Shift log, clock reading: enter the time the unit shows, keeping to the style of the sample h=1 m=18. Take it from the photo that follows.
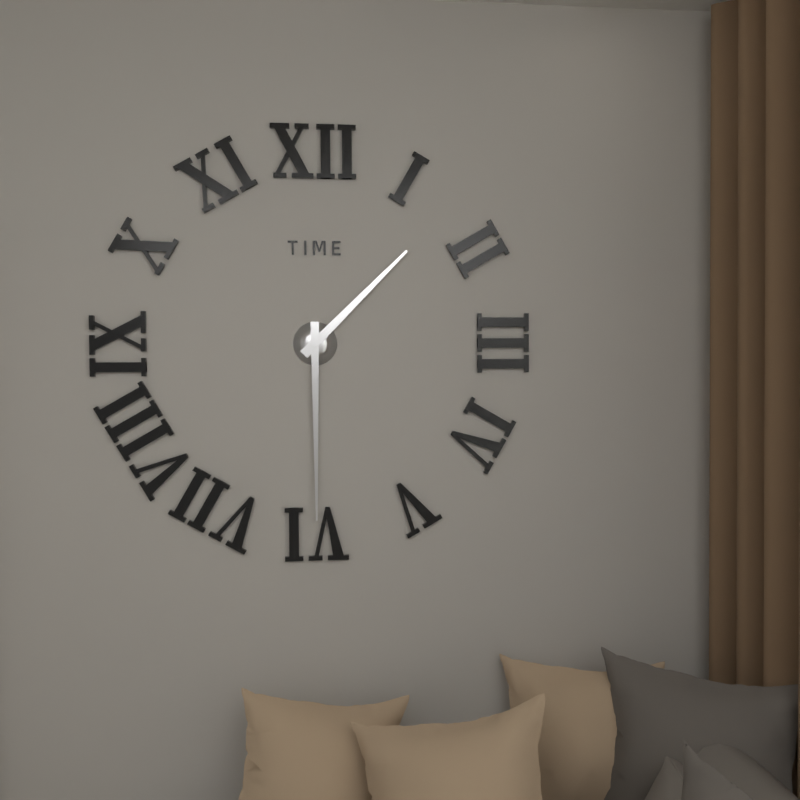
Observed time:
h=1 m=30
